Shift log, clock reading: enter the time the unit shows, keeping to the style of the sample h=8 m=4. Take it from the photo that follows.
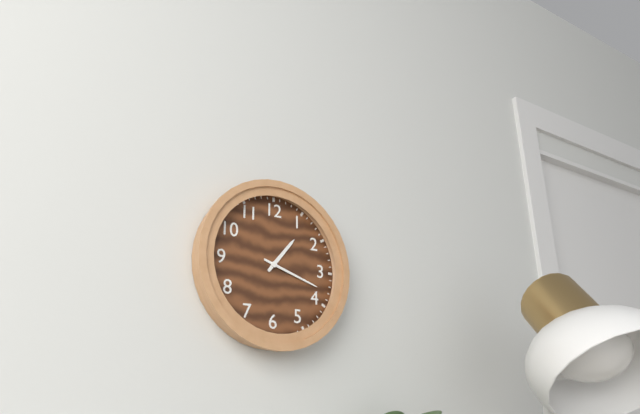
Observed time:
h=1 m=18
